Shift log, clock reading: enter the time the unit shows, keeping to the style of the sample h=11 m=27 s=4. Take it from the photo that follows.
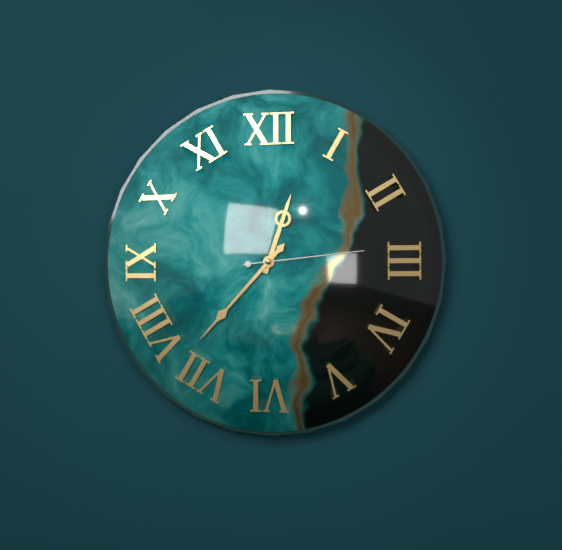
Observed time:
h=12 m=37 s=14
